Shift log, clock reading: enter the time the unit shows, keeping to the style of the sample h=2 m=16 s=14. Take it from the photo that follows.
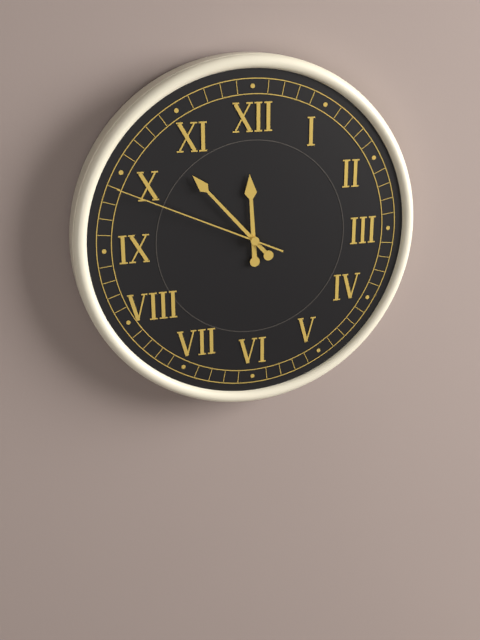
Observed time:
h=11 m=53 s=49
